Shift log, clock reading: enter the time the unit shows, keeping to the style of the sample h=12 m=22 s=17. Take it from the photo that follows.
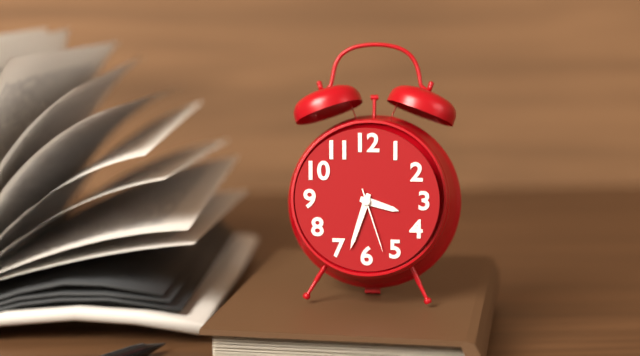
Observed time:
h=3 m=33 s=27
